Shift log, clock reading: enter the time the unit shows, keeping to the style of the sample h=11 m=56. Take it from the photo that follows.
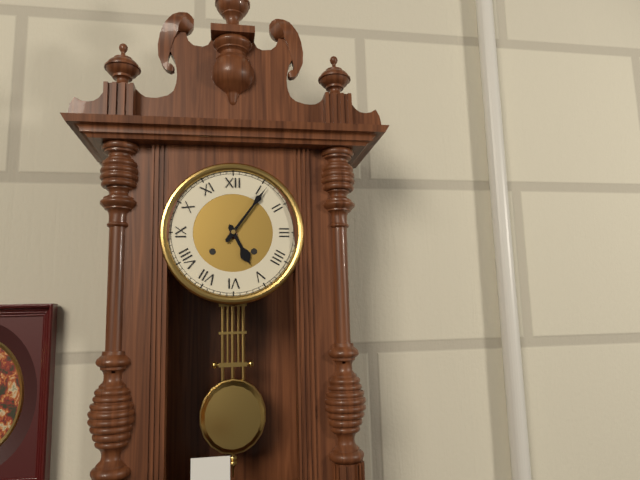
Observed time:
h=5 m=6
